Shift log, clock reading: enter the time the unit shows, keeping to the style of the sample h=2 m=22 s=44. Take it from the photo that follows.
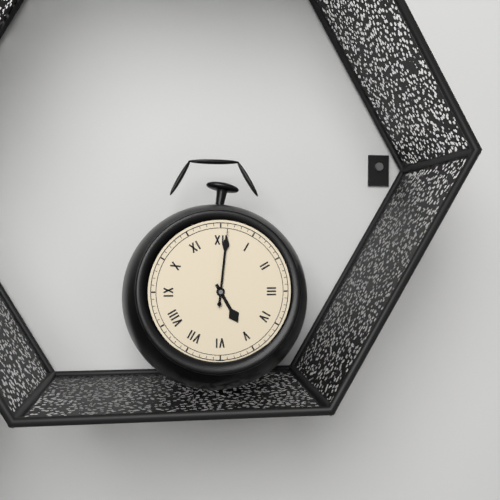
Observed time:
h=5 m=1 s=1
